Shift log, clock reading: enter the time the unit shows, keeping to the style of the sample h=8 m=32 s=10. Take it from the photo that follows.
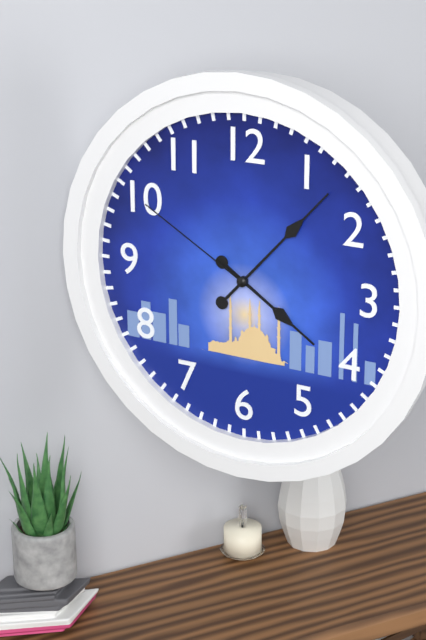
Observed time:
h=4 m=7 s=50
